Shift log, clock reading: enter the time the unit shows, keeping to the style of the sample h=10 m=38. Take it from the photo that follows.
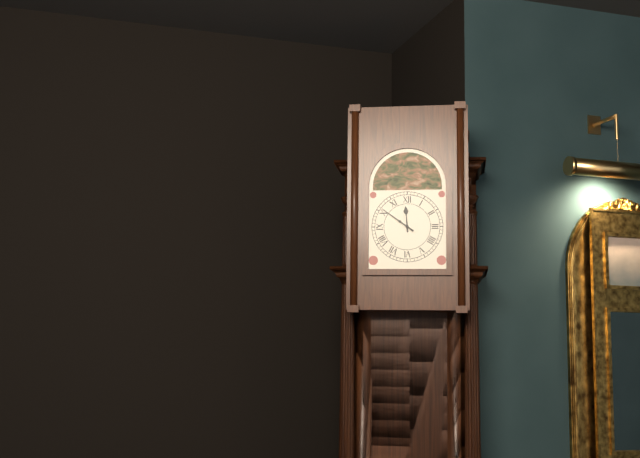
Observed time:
h=11 m=51
